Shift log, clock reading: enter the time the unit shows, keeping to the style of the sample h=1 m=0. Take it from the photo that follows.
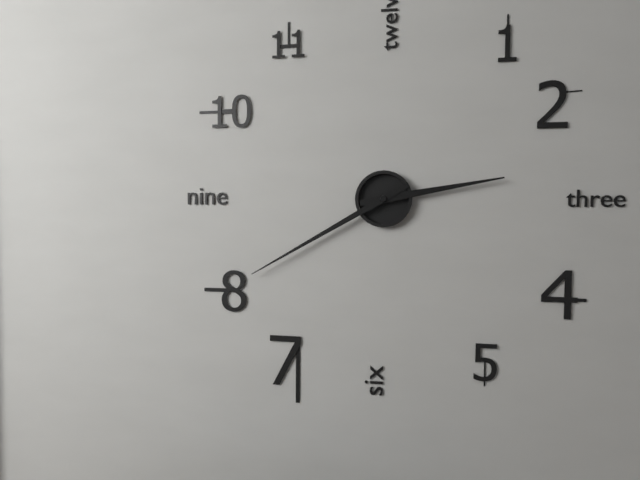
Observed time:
h=2 m=40
